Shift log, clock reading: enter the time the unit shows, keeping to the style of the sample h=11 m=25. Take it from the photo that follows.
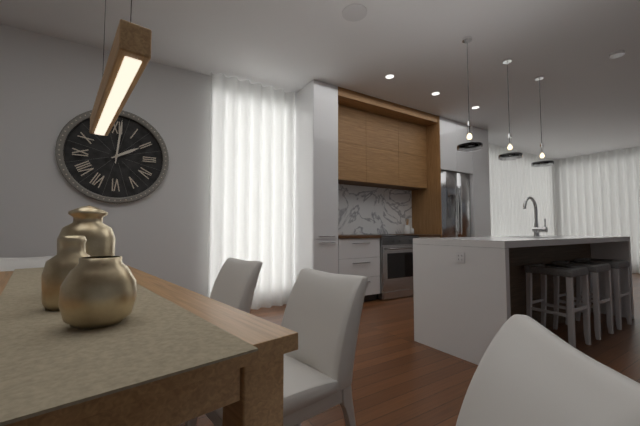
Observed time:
h=2 m=1
